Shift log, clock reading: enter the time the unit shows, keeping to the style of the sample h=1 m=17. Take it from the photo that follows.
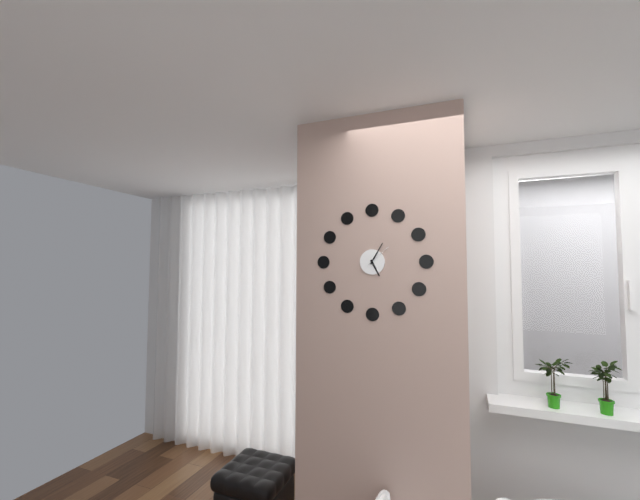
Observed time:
h=5 m=5
